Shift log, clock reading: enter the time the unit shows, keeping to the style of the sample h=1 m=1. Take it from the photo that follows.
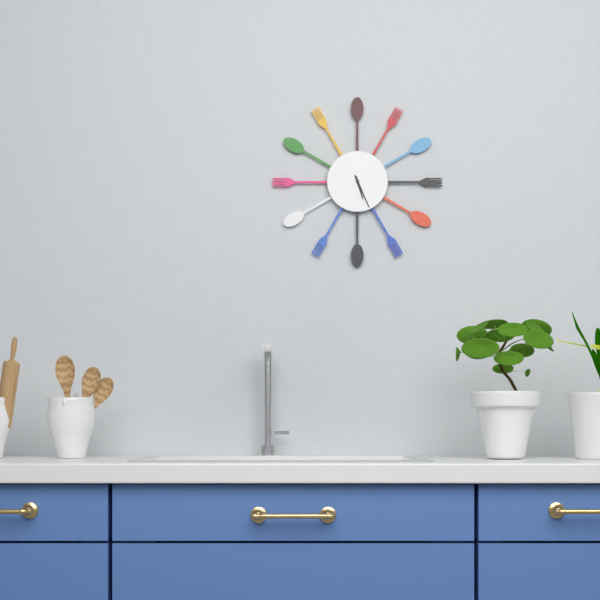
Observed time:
h=5 m=26
